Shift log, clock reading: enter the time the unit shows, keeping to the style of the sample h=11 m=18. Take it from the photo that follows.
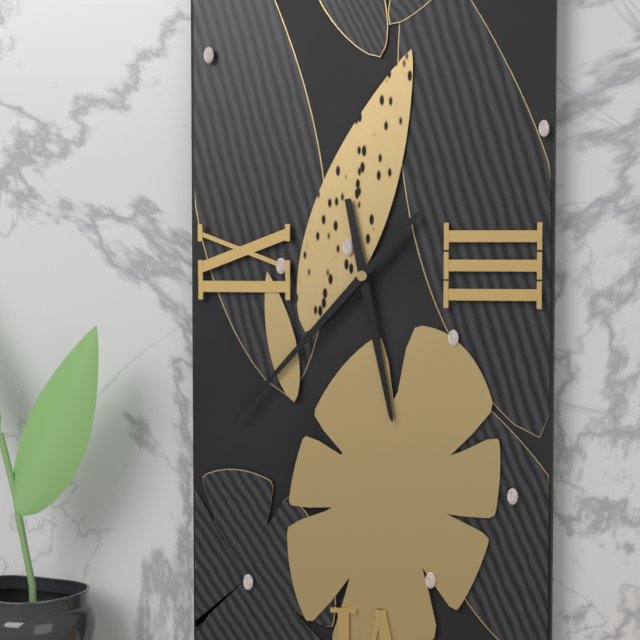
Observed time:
h=5 m=37
